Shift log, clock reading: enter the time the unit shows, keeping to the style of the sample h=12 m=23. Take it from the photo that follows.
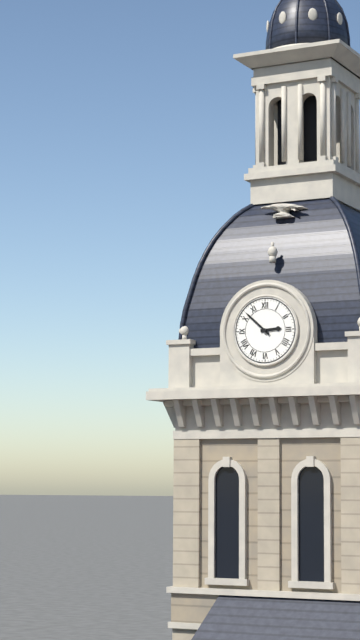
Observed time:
h=2 m=52
